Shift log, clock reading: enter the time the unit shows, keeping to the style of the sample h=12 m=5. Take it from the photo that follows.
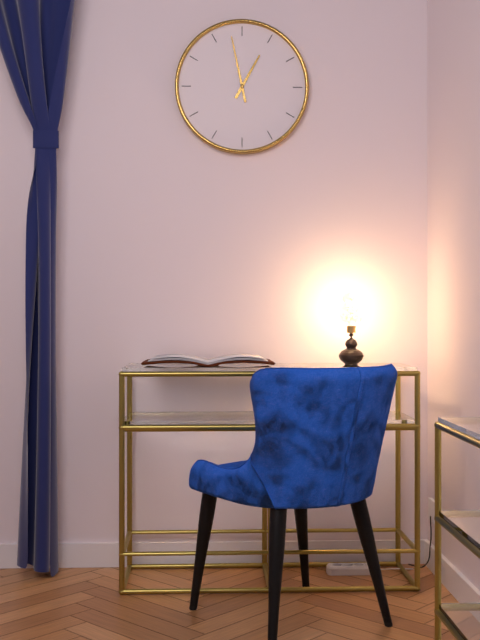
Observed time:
h=12 m=58
